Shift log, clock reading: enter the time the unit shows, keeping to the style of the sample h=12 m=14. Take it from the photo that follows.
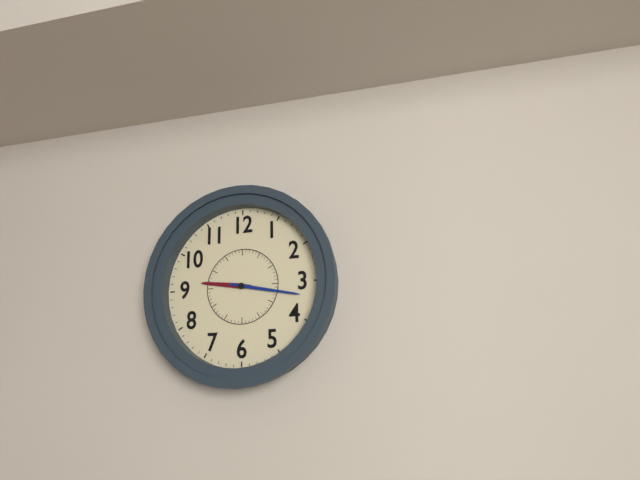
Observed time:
h=9 m=17
